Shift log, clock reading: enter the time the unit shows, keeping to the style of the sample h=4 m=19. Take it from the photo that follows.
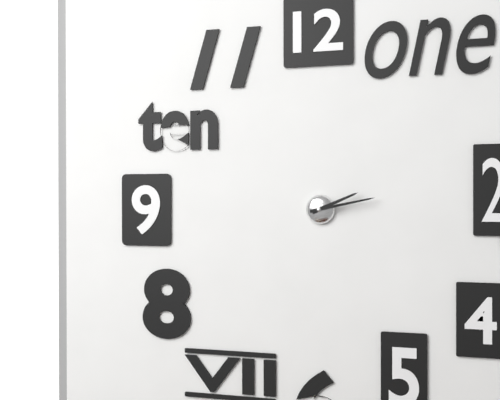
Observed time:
h=2 m=13
